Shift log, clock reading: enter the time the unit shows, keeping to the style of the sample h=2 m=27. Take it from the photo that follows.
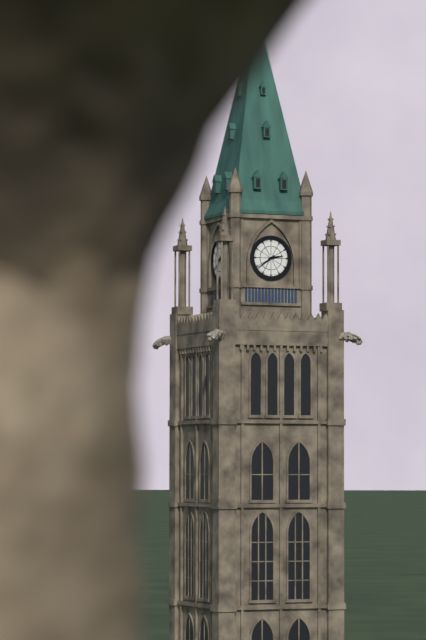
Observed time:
h=2 m=39
